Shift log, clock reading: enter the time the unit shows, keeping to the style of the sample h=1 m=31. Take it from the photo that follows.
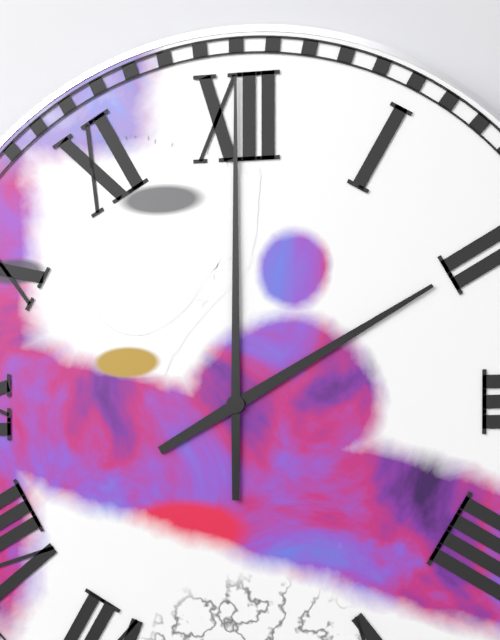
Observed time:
h=2 m=0
